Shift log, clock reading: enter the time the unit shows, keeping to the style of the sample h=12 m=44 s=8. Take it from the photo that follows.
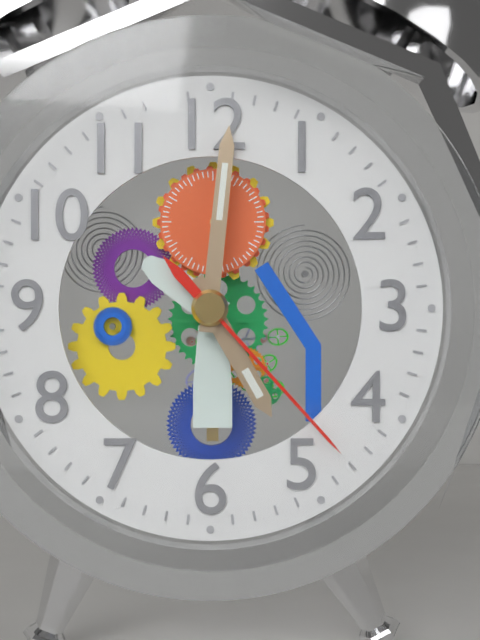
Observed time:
h=5 m=1 s=23
